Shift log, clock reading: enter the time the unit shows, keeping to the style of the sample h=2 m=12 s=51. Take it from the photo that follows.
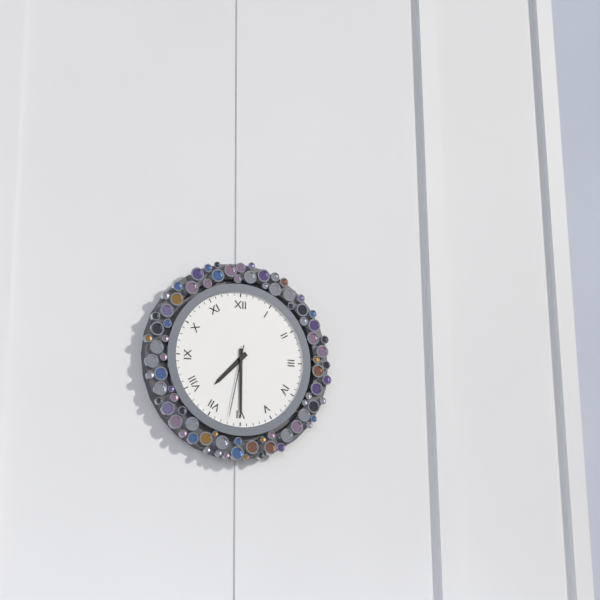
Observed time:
h=7 m=30 s=32
